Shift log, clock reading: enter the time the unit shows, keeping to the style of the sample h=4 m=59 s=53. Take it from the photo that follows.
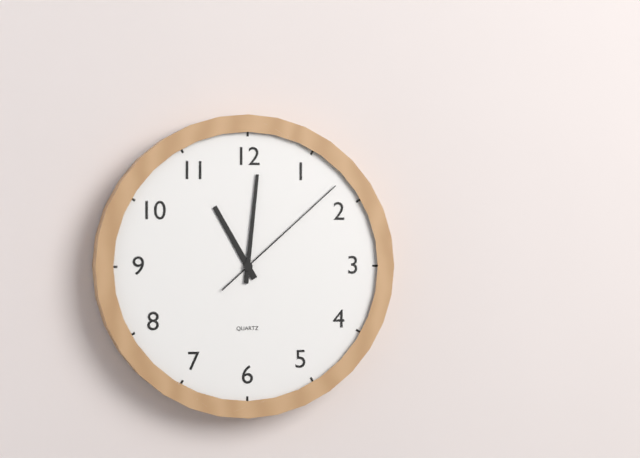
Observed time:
h=11 m=1 s=8
